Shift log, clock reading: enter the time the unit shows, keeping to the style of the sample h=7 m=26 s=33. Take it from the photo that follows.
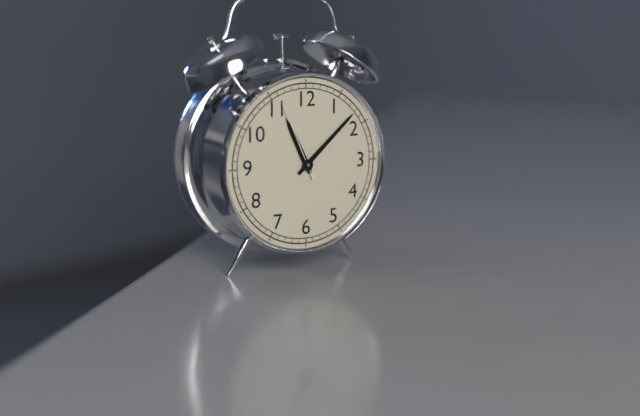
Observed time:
h=11 m=8 s=56
